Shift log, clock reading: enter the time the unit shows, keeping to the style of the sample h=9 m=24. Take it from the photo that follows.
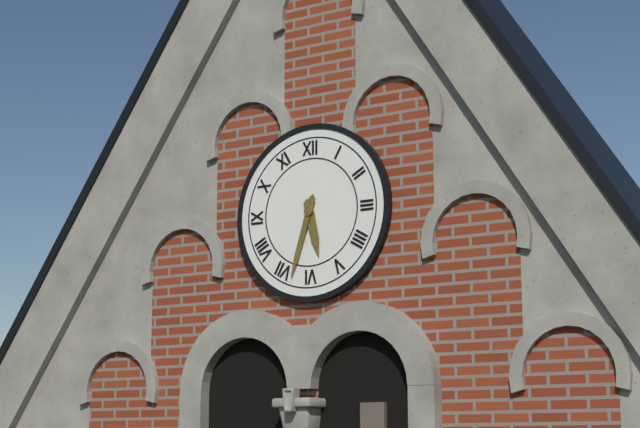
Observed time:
h=5 m=33
